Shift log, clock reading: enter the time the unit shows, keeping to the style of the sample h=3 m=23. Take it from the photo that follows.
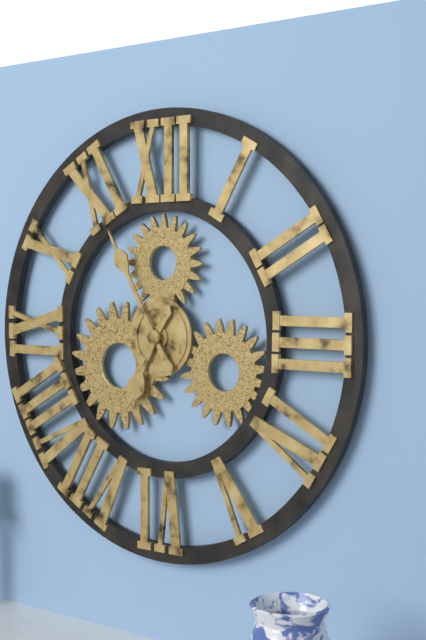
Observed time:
h=6 m=55
